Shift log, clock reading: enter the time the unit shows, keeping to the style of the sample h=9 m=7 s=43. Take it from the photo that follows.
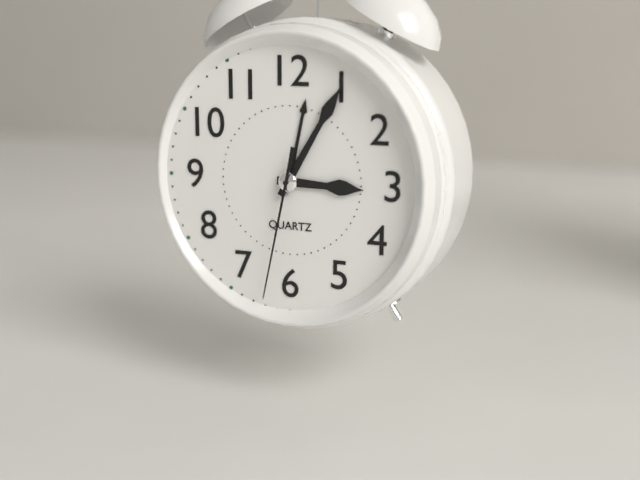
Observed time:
h=3 m=5 s=32
